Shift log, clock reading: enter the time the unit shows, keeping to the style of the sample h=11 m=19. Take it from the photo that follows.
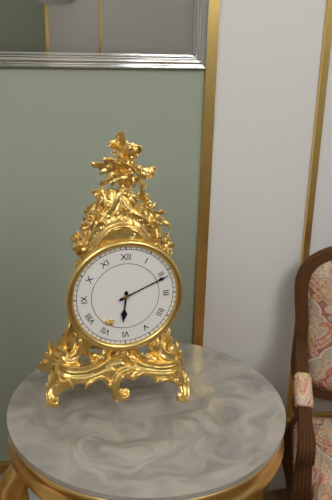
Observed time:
h=6 m=11
